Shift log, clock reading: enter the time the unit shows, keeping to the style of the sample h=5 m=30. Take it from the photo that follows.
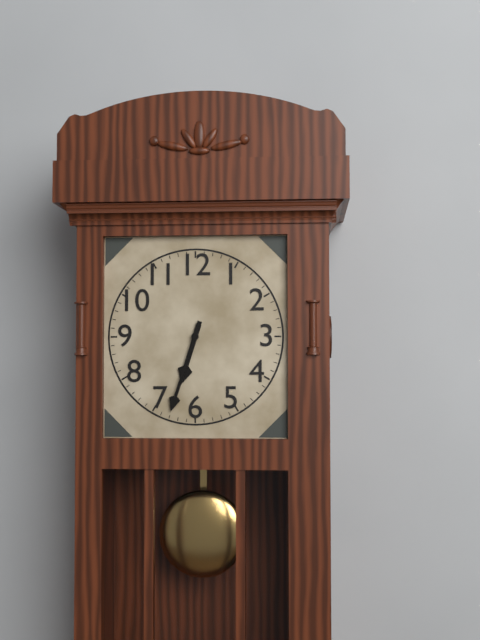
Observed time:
h=6 m=33
